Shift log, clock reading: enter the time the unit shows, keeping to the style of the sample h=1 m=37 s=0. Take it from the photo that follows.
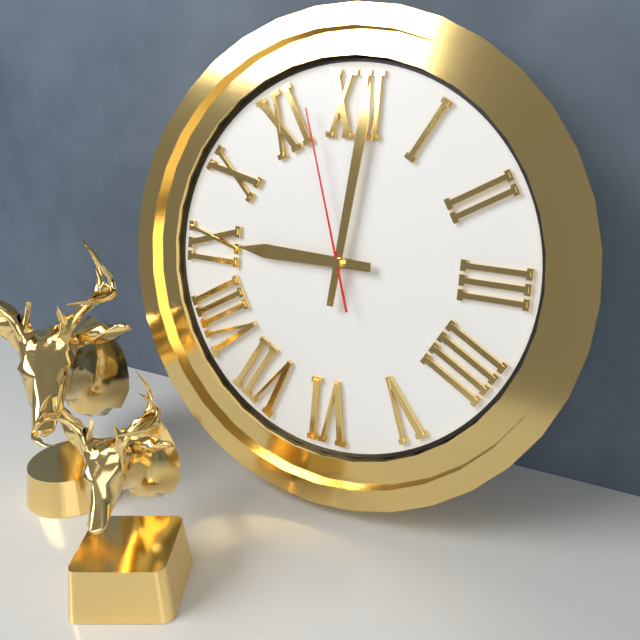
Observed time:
h=9 m=1 s=57
